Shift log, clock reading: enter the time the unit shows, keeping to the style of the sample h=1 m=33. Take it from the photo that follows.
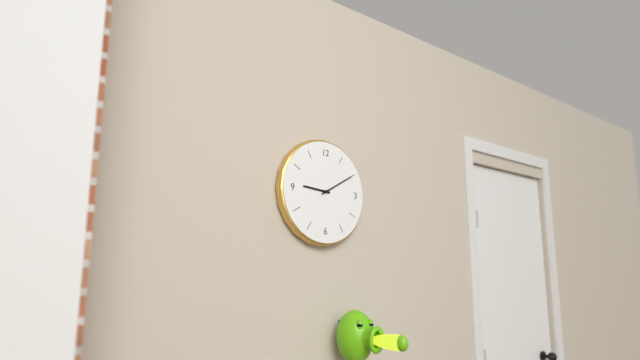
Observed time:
h=9 m=10
